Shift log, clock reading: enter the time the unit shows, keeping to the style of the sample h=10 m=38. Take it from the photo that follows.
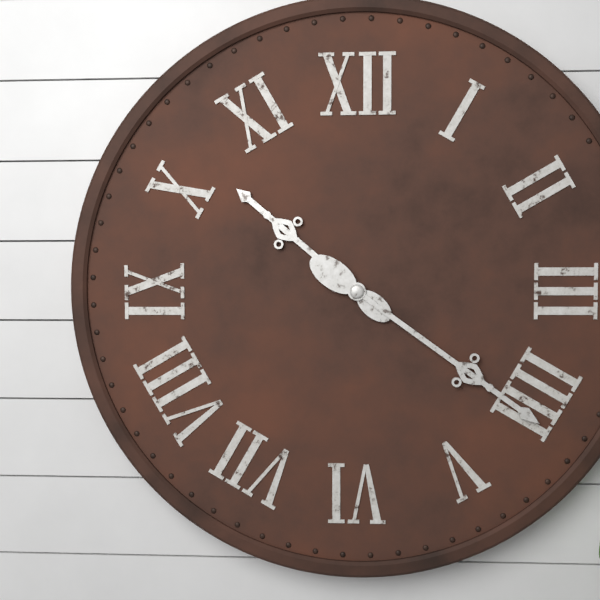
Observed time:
h=10 m=21
